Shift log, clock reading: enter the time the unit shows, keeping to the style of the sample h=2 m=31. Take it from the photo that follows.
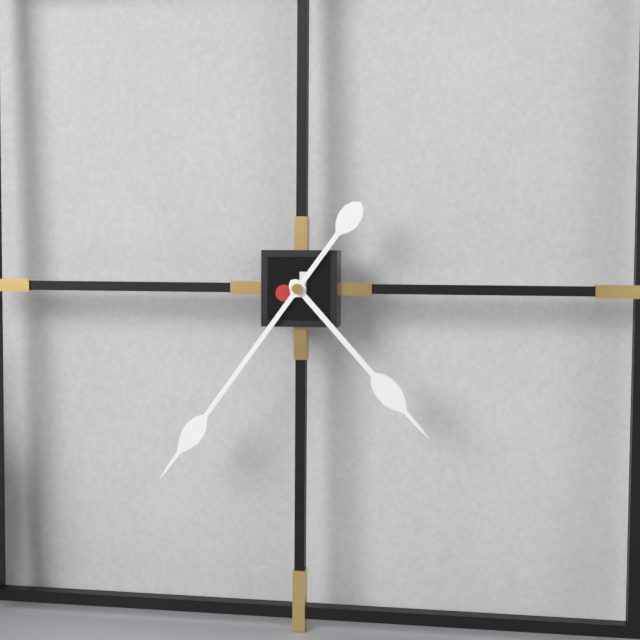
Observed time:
h=4 m=36
